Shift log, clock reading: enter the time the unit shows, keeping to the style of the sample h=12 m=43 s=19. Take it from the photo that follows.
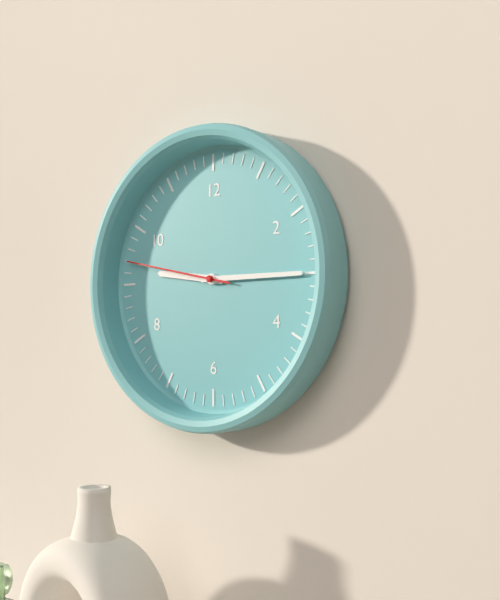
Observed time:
h=9 m=15 s=47
